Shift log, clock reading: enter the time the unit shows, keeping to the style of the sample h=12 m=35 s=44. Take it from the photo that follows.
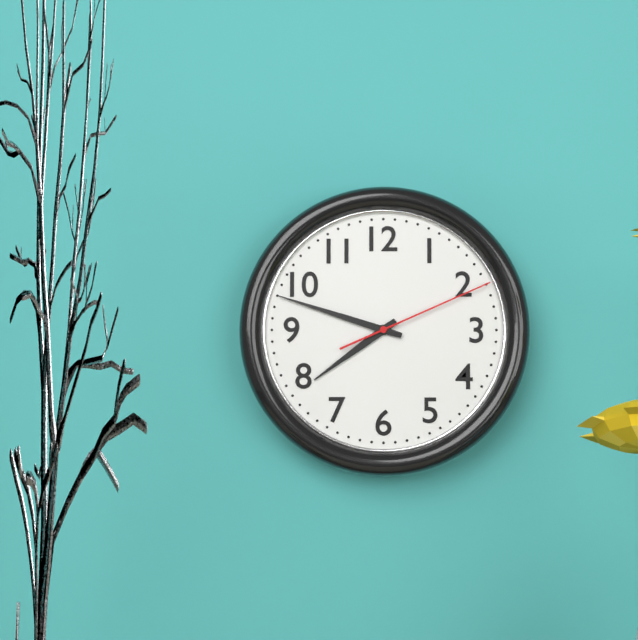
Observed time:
h=7 m=48 s=11
